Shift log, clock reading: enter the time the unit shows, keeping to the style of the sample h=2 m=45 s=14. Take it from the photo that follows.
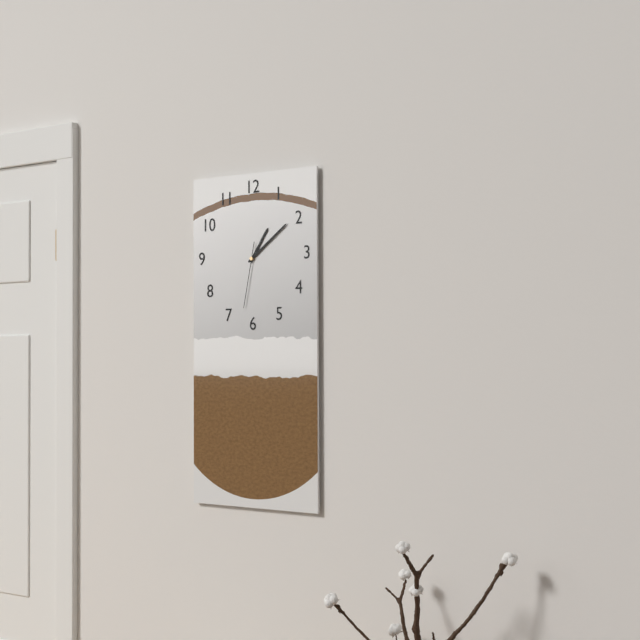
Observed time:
h=1 m=9 s=32
